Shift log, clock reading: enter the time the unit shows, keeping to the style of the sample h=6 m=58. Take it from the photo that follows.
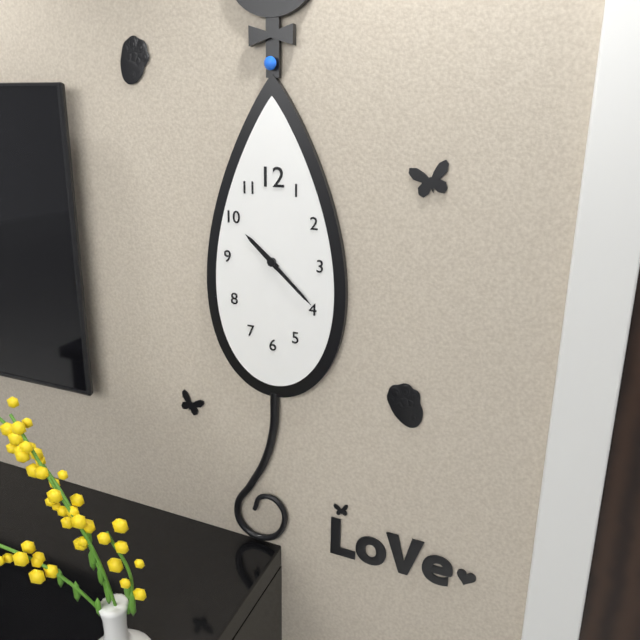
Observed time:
h=10 m=22
